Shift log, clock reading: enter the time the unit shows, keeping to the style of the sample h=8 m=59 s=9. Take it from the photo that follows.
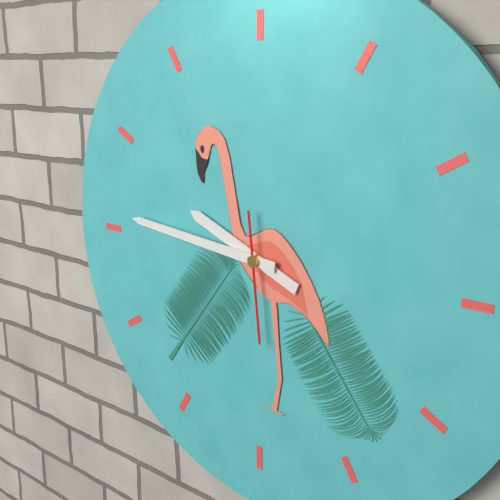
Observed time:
h=9 m=46 s=29
